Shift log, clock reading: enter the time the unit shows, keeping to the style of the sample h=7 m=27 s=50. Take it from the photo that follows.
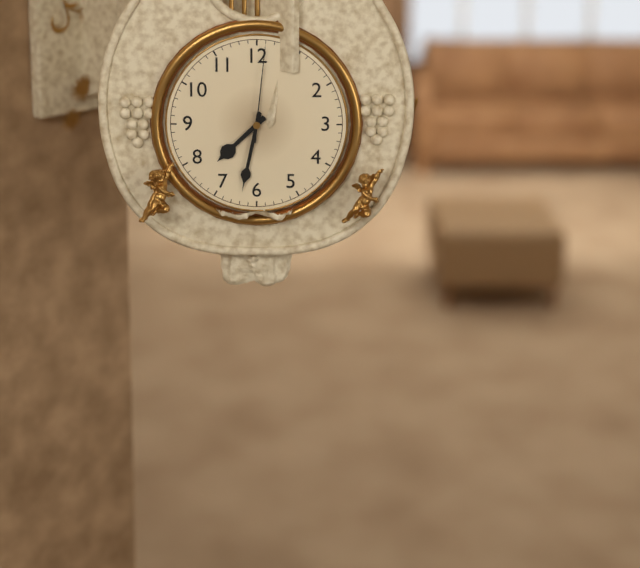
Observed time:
h=7 m=32 s=1
